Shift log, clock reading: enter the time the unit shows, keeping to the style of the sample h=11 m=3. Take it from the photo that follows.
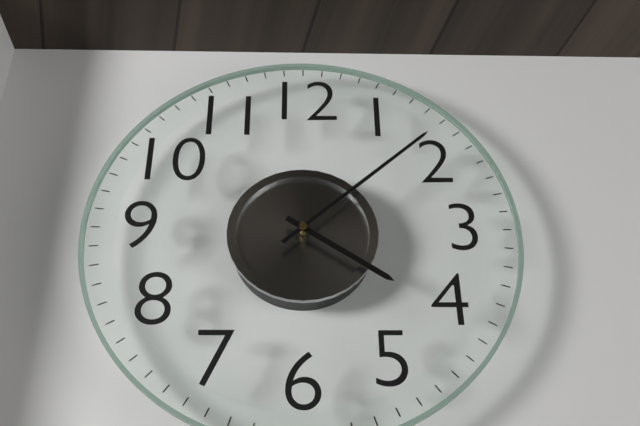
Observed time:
h=4 m=8
